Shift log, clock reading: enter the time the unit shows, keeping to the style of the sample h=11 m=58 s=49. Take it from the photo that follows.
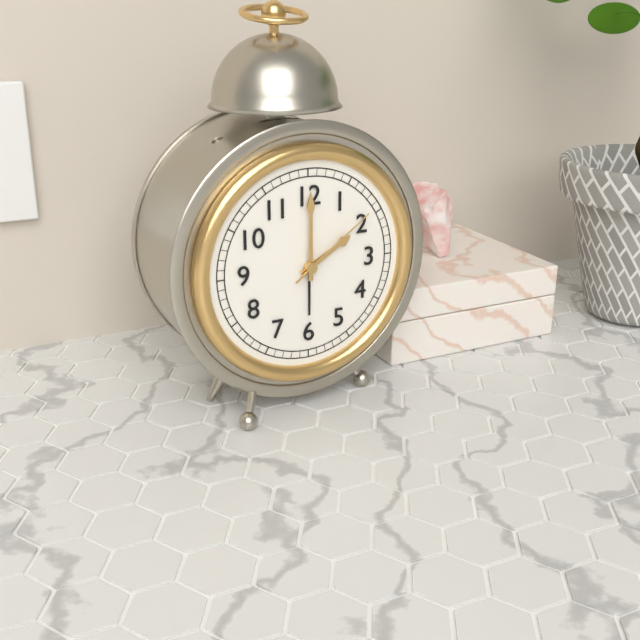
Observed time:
h=2 m=0 s=9
